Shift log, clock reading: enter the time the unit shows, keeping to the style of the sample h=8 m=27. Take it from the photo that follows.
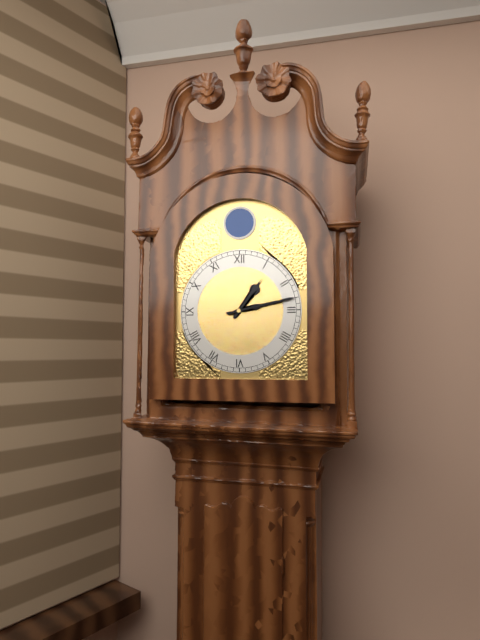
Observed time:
h=1 m=13
